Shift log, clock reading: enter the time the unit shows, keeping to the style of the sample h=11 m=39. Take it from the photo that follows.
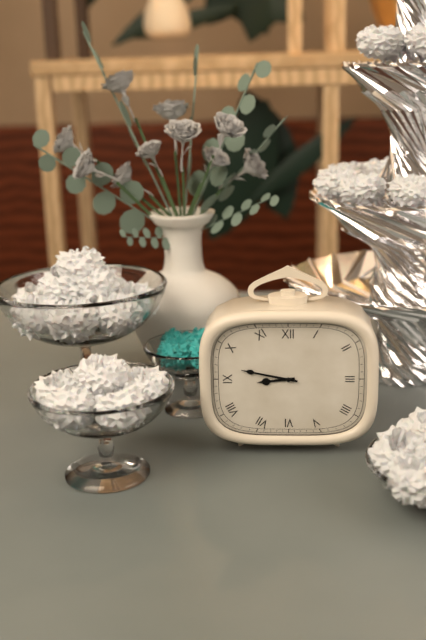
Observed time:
h=8 m=47
